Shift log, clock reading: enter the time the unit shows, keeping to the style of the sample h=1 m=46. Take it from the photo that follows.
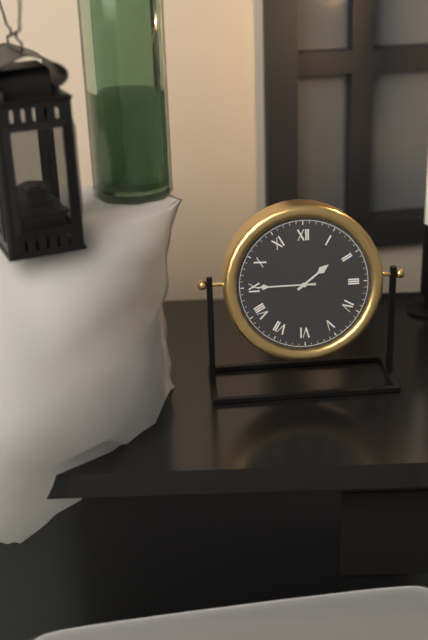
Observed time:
h=1 m=45
